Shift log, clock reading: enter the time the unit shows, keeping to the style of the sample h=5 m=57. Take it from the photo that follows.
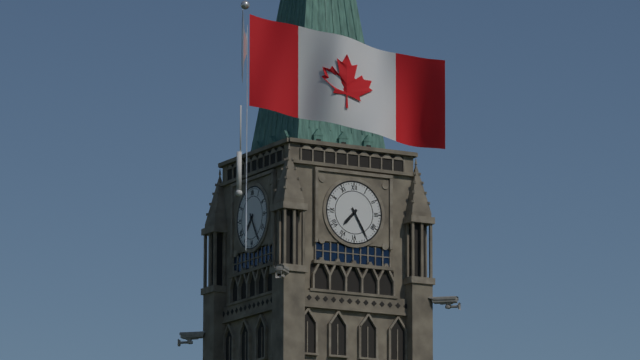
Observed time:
h=7 m=25
